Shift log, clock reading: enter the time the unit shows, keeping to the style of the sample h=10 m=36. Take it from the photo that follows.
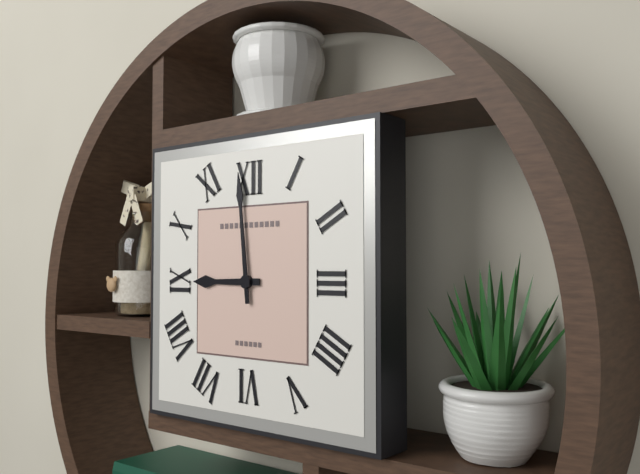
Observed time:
h=8 m=59
